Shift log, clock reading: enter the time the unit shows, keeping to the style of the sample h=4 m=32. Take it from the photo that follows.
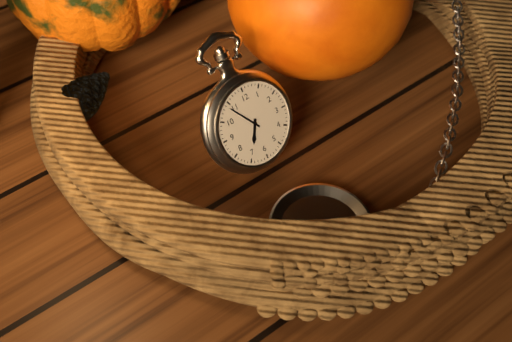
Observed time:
h=6 m=54
